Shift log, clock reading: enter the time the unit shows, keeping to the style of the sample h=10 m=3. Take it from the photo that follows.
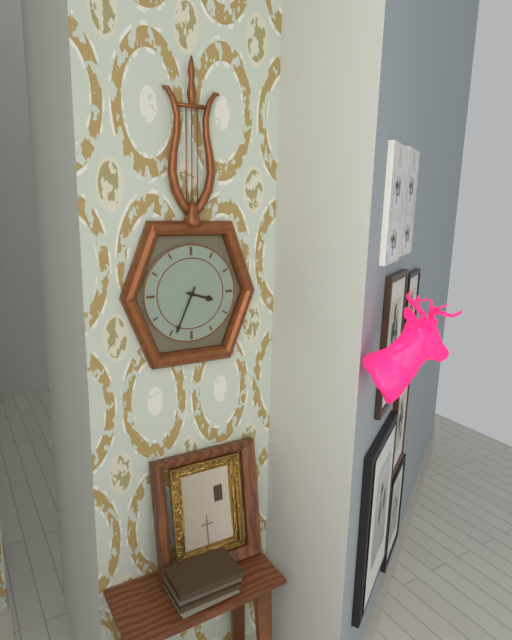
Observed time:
h=3 m=34
